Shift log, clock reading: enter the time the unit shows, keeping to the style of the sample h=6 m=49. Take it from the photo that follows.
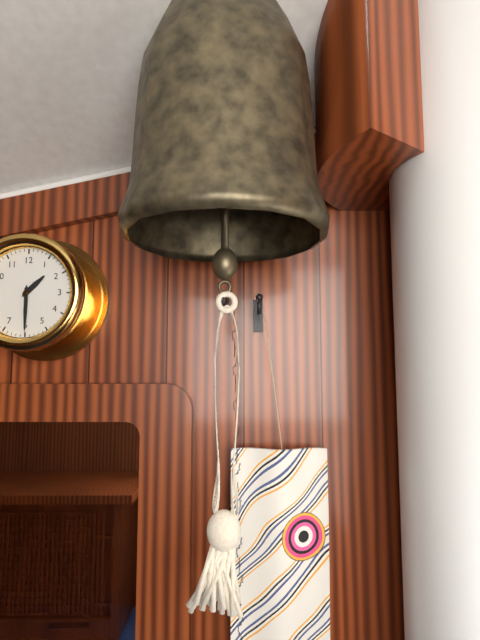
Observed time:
h=1 m=30
